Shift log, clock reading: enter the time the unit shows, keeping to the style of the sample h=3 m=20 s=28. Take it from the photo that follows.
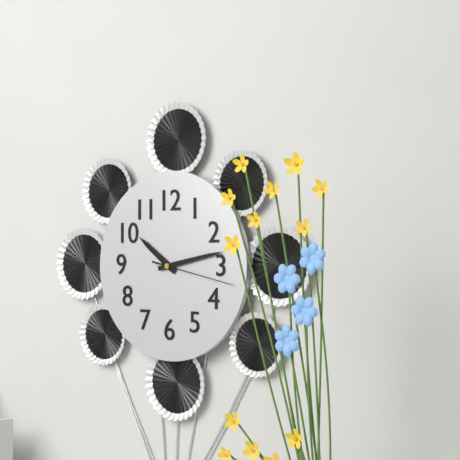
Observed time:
h=10 m=13 s=17
